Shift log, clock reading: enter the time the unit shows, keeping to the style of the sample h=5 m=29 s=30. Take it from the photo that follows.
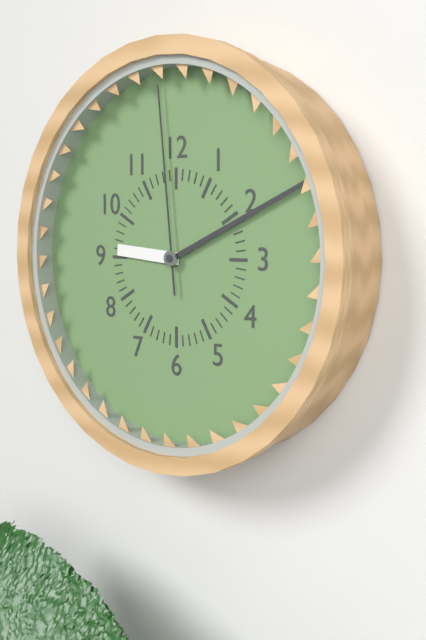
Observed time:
h=9 m=11 s=59
